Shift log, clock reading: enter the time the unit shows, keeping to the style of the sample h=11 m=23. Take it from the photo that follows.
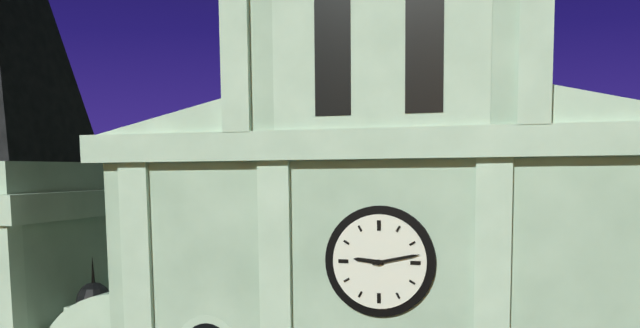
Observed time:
h=9 m=13
